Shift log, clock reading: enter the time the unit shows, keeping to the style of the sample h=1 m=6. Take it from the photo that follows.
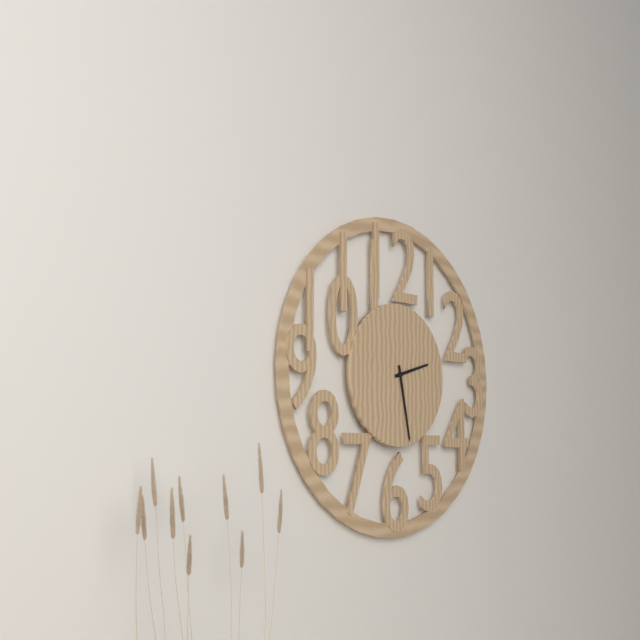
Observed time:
h=2 m=28
